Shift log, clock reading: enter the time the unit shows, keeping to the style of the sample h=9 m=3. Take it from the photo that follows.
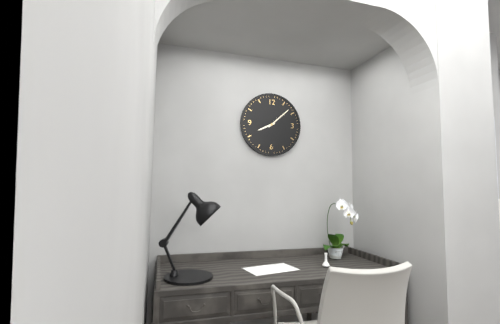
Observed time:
h=8 m=8
